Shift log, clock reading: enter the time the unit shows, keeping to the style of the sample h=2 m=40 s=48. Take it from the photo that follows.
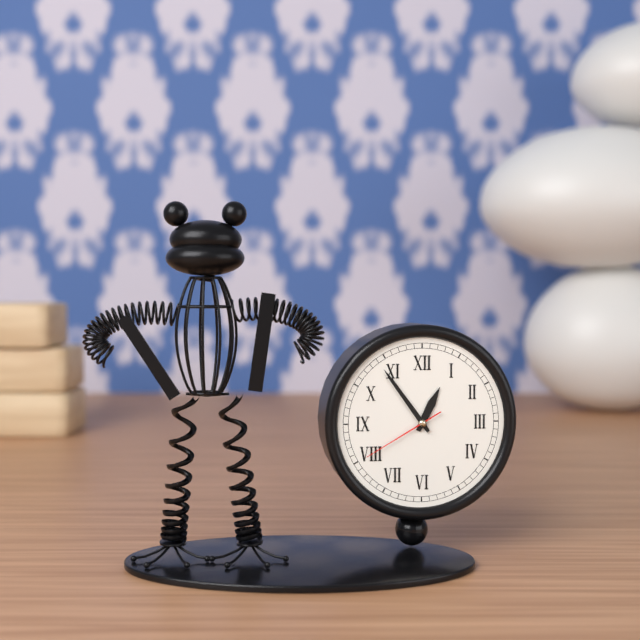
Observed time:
h=12 m=54 s=40
